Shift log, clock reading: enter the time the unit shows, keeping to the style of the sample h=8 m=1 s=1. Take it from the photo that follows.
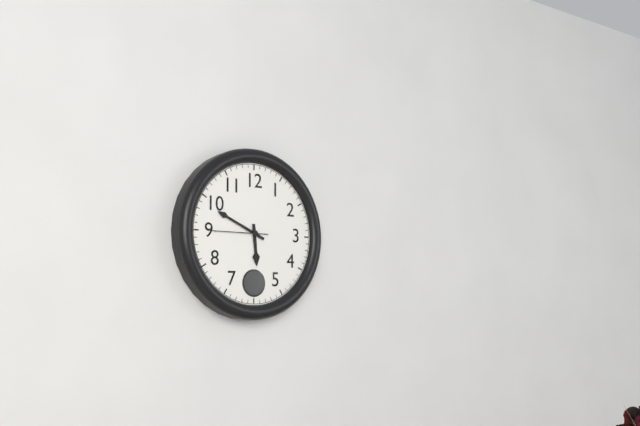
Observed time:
h=5 m=49 s=45
